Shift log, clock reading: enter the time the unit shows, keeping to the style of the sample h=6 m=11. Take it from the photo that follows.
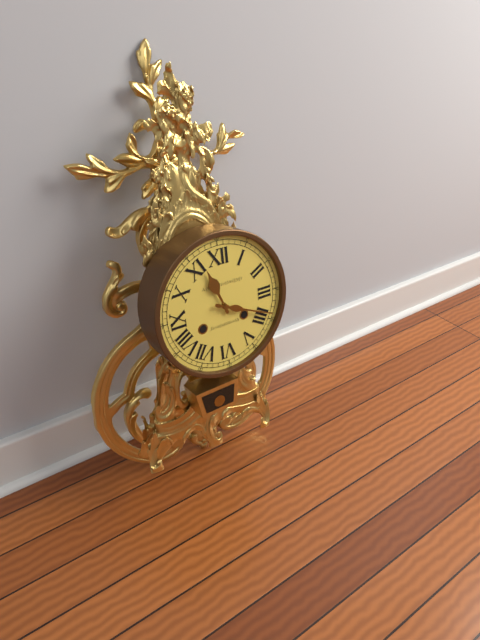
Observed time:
h=11 m=19
